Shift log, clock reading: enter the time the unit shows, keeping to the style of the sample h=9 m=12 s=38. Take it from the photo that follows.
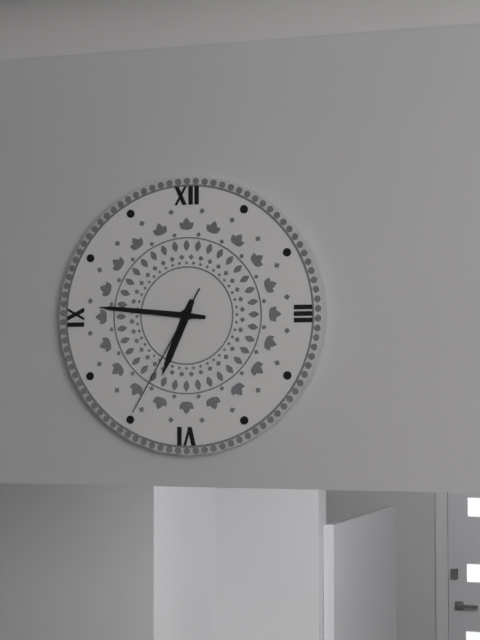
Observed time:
h=6 m=46 s=35
